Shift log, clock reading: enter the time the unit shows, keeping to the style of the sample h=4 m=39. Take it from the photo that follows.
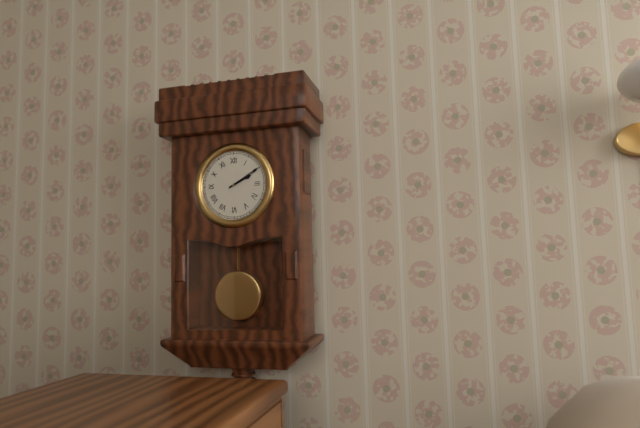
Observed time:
h=2 m=10
